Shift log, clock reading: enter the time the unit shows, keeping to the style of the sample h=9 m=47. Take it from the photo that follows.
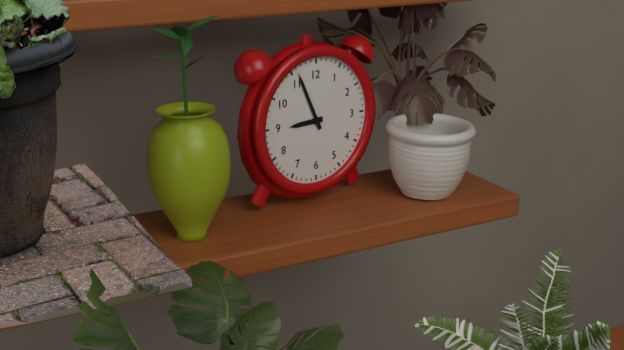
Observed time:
h=8 m=56
